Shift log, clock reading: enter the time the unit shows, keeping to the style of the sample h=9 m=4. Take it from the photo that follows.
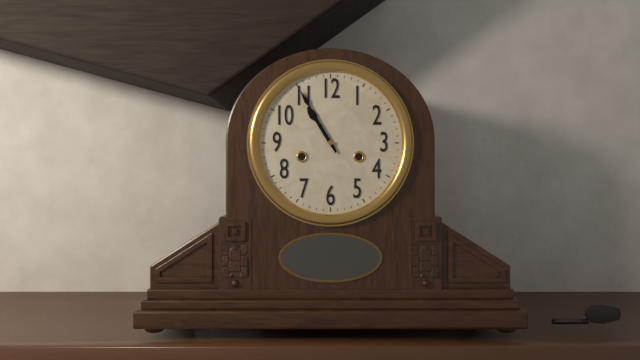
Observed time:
h=10 m=55
